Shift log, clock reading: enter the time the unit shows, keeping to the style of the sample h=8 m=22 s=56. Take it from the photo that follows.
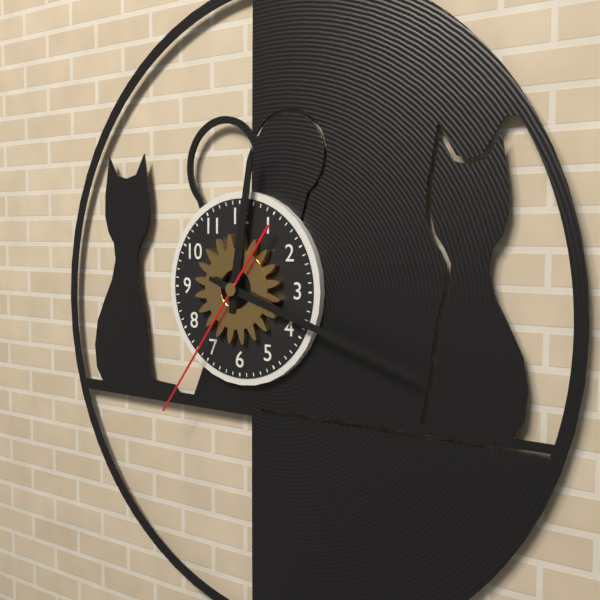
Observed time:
h=12 m=18 s=36
